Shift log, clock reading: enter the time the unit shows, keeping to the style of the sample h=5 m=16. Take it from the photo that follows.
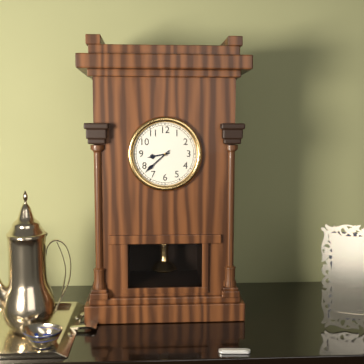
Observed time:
h=8 m=38
